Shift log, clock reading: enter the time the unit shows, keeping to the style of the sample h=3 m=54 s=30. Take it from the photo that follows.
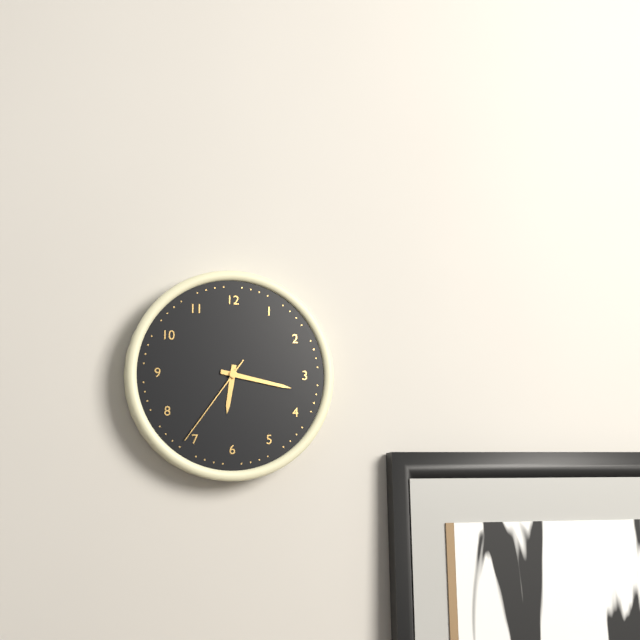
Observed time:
h=6 m=17 s=36
